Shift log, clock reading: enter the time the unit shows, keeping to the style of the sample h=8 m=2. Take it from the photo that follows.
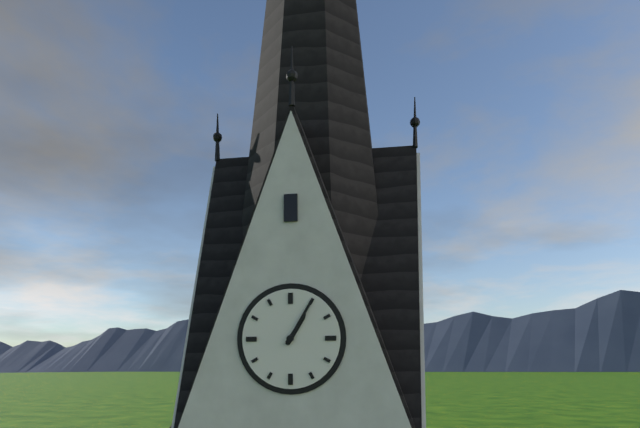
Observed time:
h=1 m=5
